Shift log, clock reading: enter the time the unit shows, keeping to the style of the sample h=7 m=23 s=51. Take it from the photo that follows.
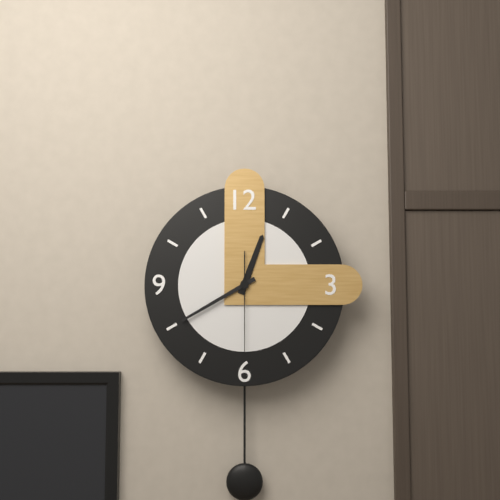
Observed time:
h=12 m=40 s=30
